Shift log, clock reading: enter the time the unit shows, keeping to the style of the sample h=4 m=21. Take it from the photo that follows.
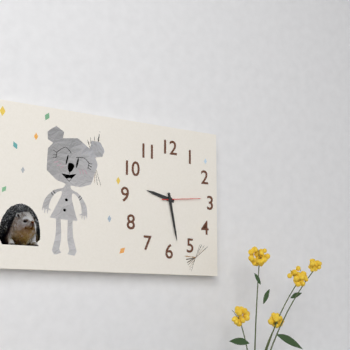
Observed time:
h=9 m=28
